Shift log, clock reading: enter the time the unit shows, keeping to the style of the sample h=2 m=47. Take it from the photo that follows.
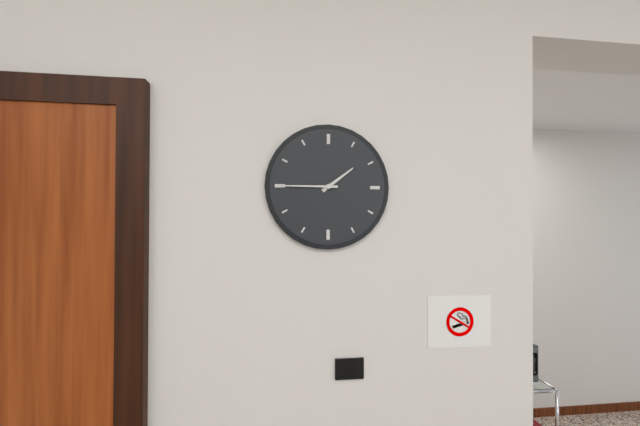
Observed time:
h=1 m=45
